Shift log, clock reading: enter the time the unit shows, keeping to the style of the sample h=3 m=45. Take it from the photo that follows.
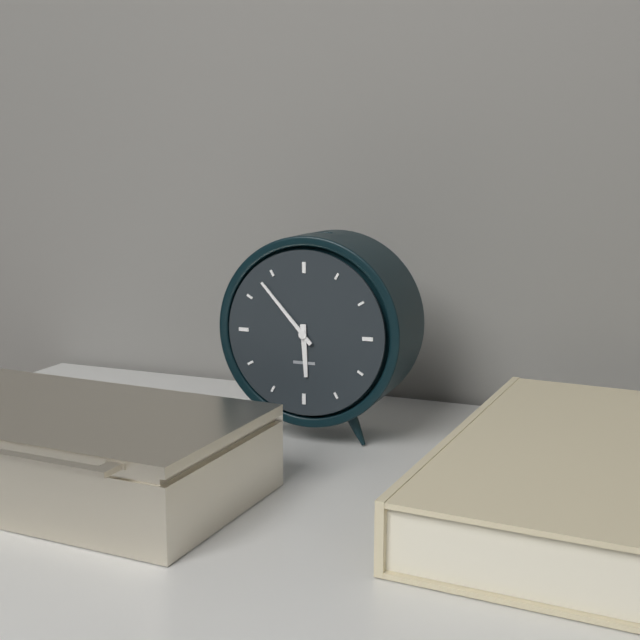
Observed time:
h=5 m=53
